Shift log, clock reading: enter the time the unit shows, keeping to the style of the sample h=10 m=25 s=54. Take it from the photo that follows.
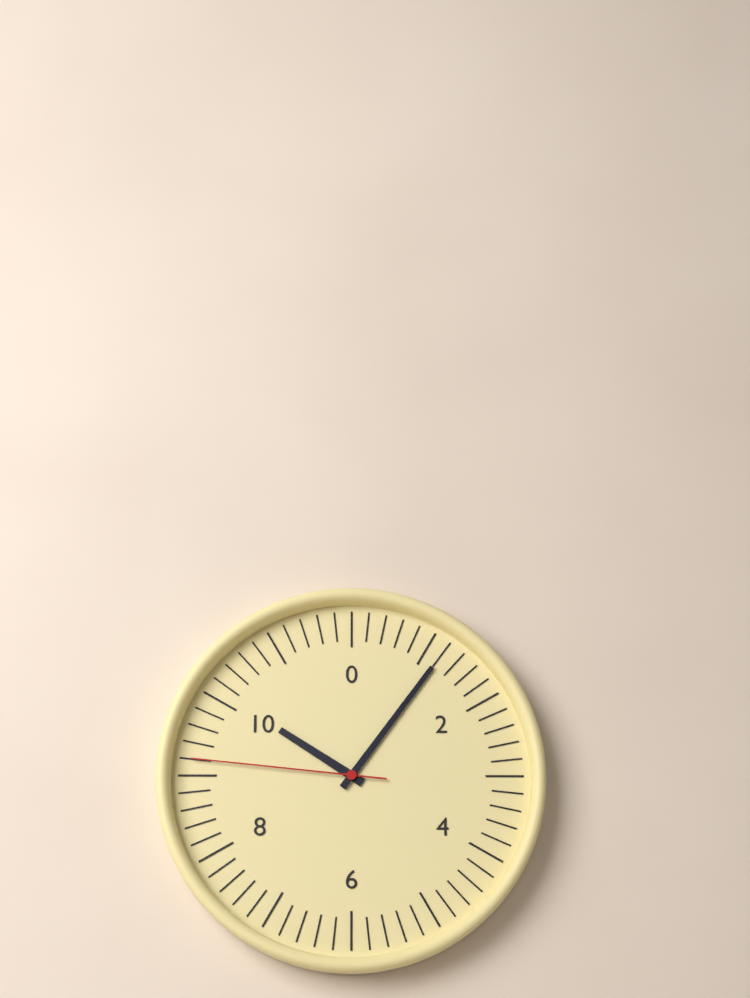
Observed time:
h=10 m=6 s=46
